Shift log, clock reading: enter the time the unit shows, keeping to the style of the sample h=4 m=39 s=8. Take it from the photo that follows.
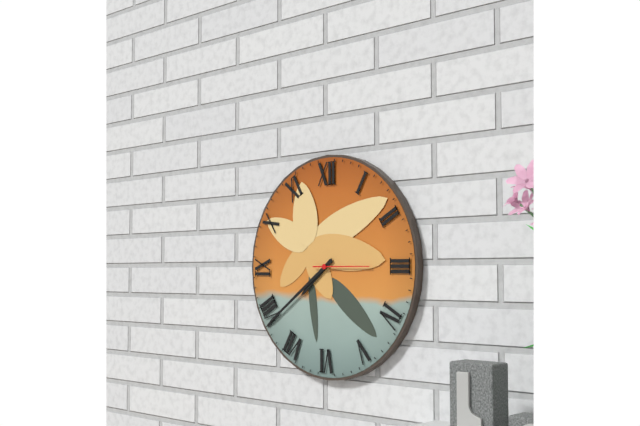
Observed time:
h=7 m=39 s=15
